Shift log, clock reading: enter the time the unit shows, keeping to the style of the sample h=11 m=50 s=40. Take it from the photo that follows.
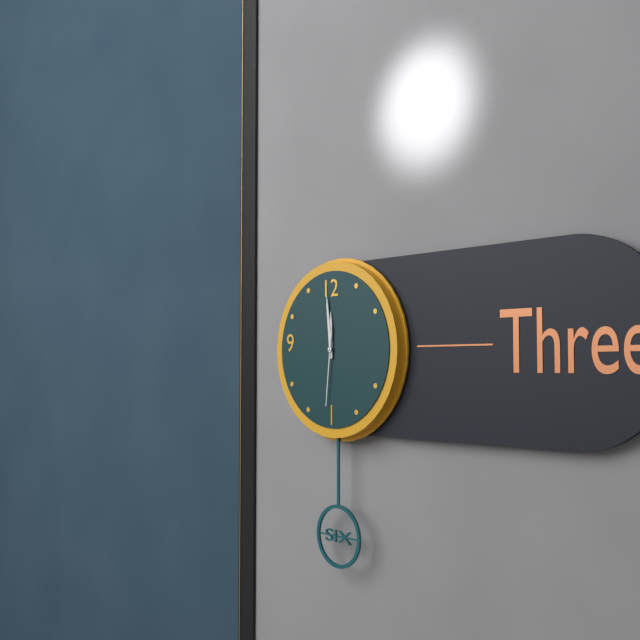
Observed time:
h=11 m=59 s=31
